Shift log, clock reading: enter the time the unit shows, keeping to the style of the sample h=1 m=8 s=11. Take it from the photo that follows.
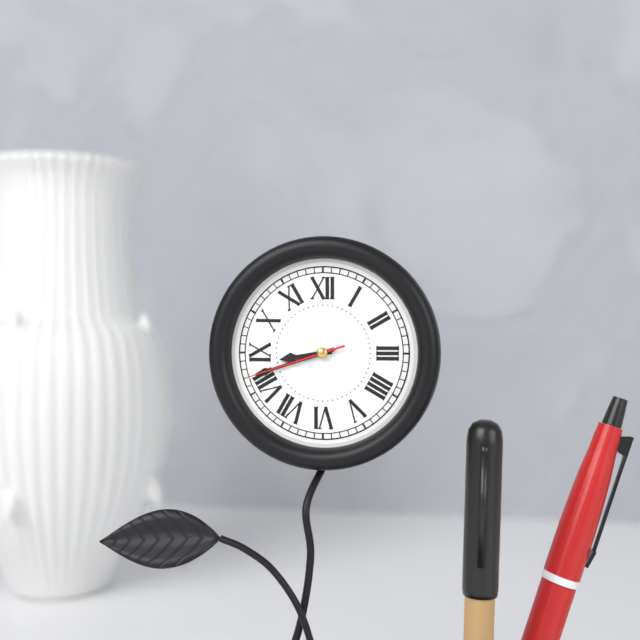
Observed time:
h=8 m=42 s=42
